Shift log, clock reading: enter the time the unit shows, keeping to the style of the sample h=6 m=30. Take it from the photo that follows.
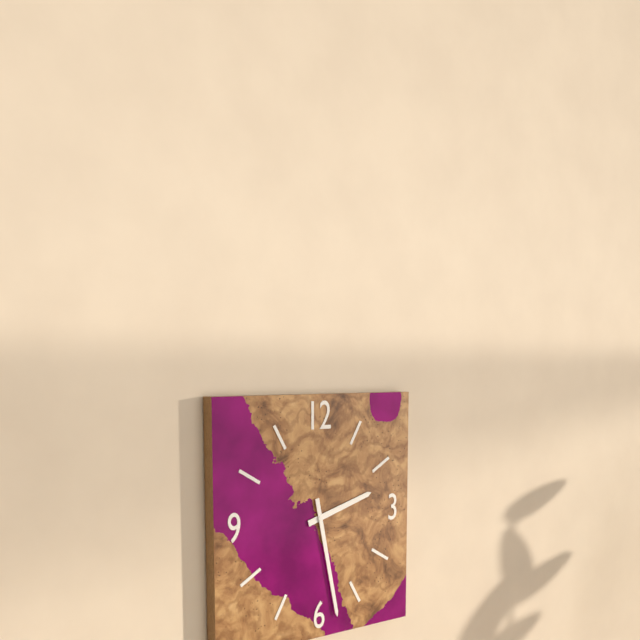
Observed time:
h=2 m=28
